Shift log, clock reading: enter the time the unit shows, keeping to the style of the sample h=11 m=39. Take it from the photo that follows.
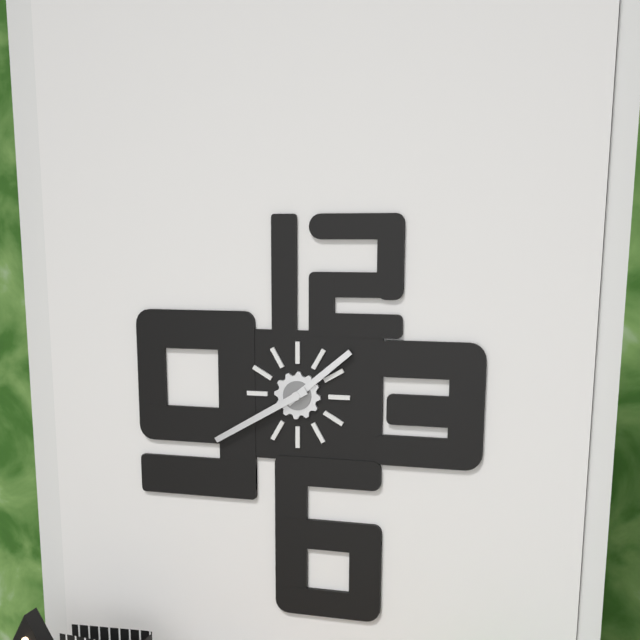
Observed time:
h=1 m=40
